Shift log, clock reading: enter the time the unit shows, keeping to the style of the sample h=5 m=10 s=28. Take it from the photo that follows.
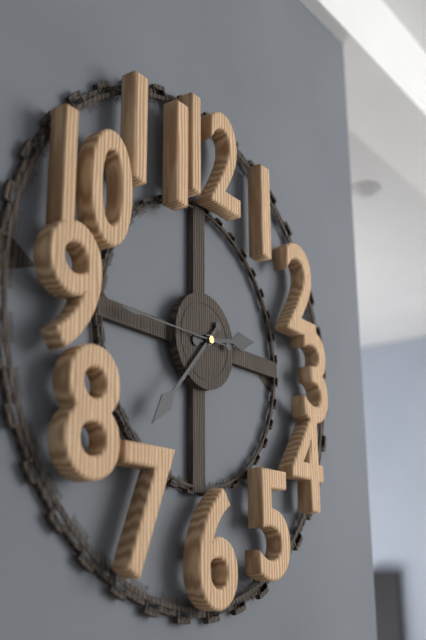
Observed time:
h=2 m=37 s=45
